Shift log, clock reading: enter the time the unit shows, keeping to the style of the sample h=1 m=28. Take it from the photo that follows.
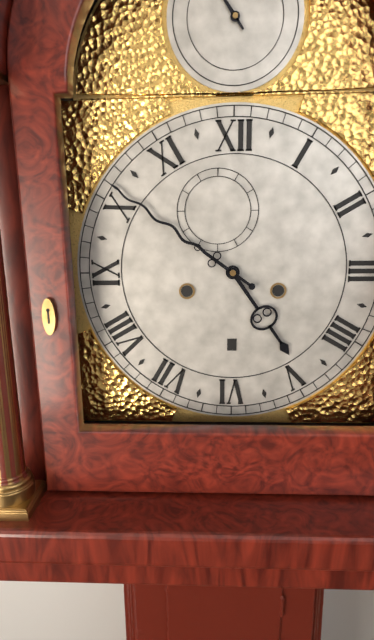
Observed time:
h=4 m=51
